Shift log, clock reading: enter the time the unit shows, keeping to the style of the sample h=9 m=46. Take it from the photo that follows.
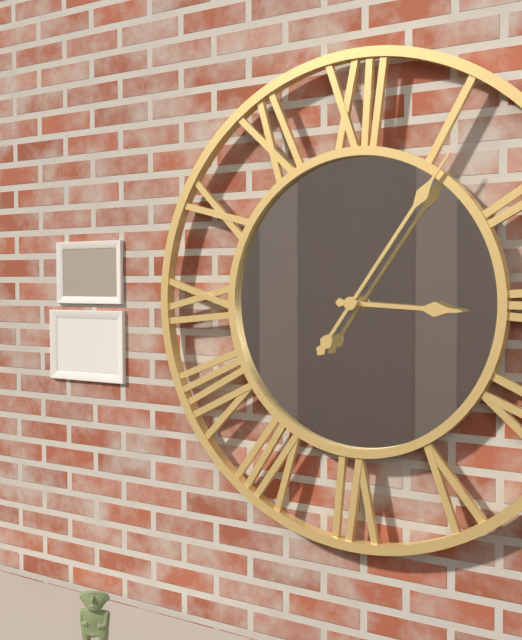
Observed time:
h=3 m=6
